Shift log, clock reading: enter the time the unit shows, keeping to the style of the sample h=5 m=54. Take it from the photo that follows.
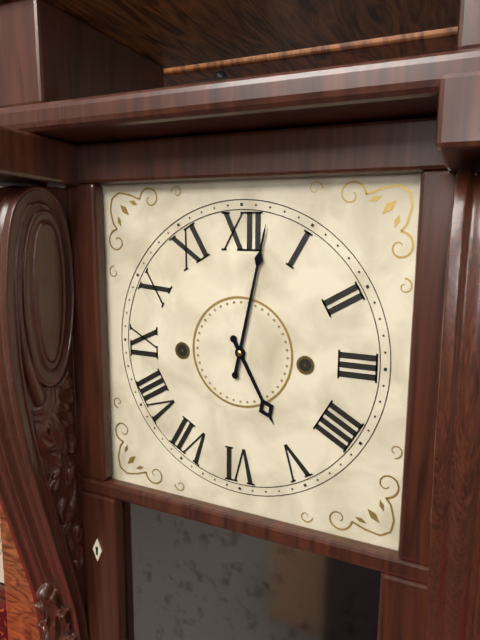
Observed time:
h=5 m=2
